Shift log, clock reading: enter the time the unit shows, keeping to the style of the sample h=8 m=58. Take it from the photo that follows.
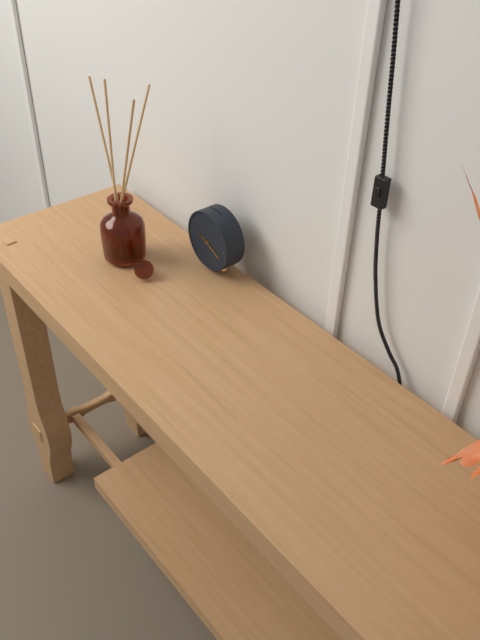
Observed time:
h=9 m=19
